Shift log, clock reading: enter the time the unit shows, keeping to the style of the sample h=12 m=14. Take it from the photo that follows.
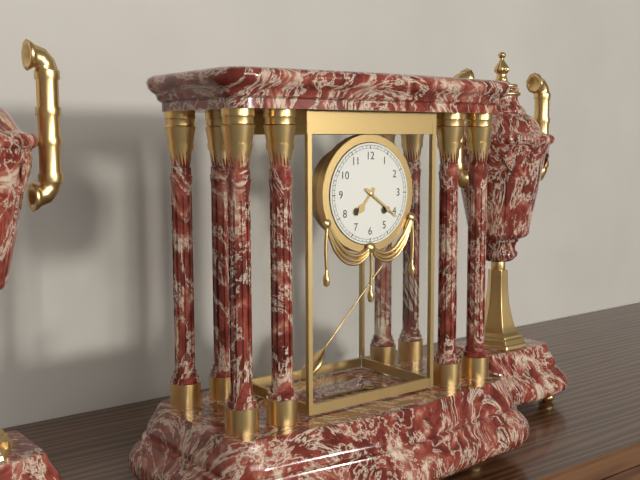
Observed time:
h=7 m=21
